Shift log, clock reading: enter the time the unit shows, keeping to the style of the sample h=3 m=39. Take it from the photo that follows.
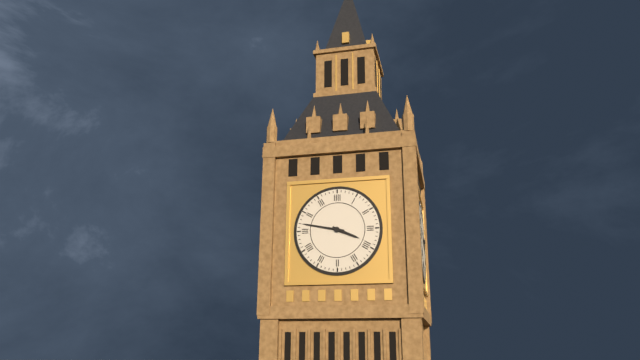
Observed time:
h=3 m=47
